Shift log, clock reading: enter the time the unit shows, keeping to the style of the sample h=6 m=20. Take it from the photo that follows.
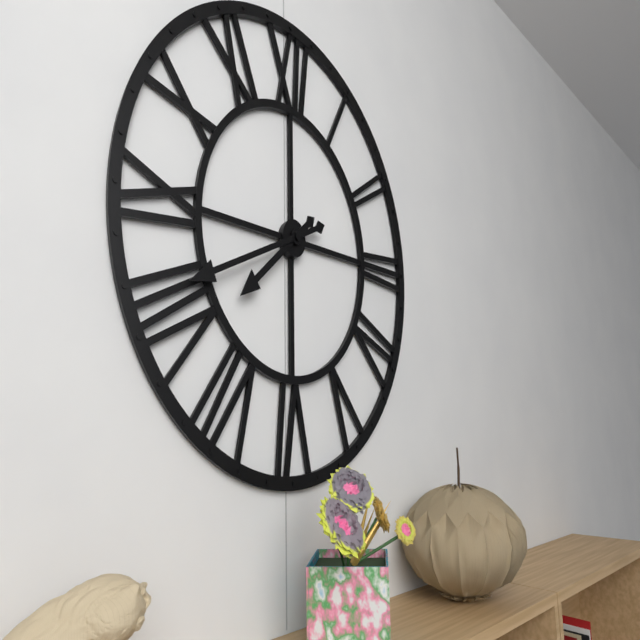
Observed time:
h=7 m=41
